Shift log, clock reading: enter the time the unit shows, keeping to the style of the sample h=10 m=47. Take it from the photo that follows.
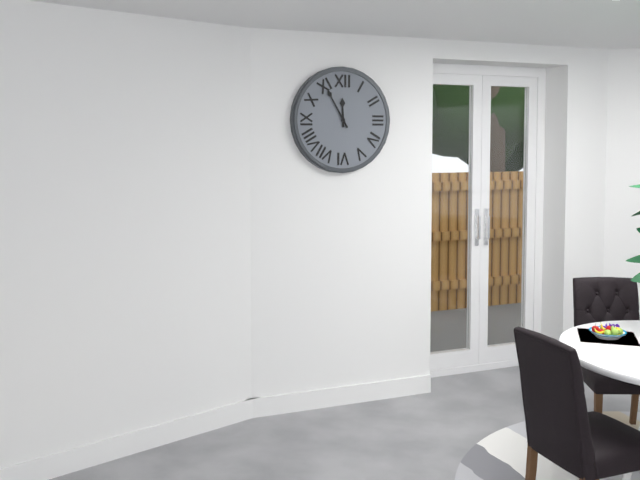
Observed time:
h=11 m=55
